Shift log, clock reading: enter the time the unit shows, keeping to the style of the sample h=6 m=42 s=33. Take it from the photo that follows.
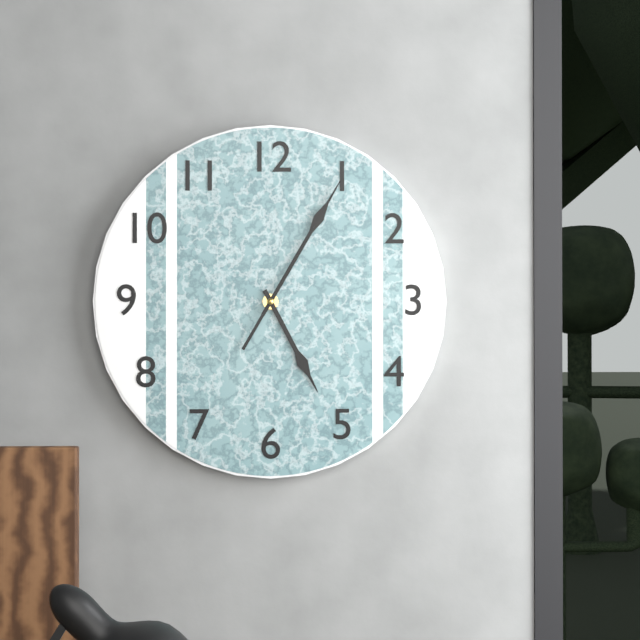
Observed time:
h=5 m=5 s=5
